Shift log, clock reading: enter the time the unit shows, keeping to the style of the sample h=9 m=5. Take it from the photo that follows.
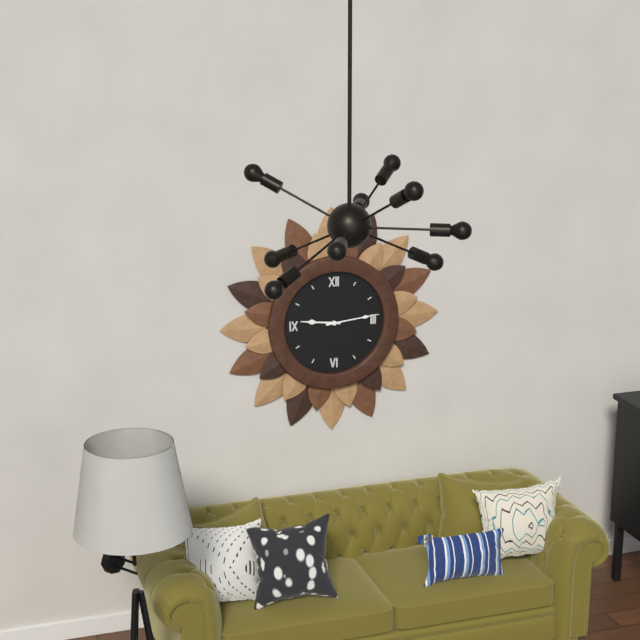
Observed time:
h=9 m=14
